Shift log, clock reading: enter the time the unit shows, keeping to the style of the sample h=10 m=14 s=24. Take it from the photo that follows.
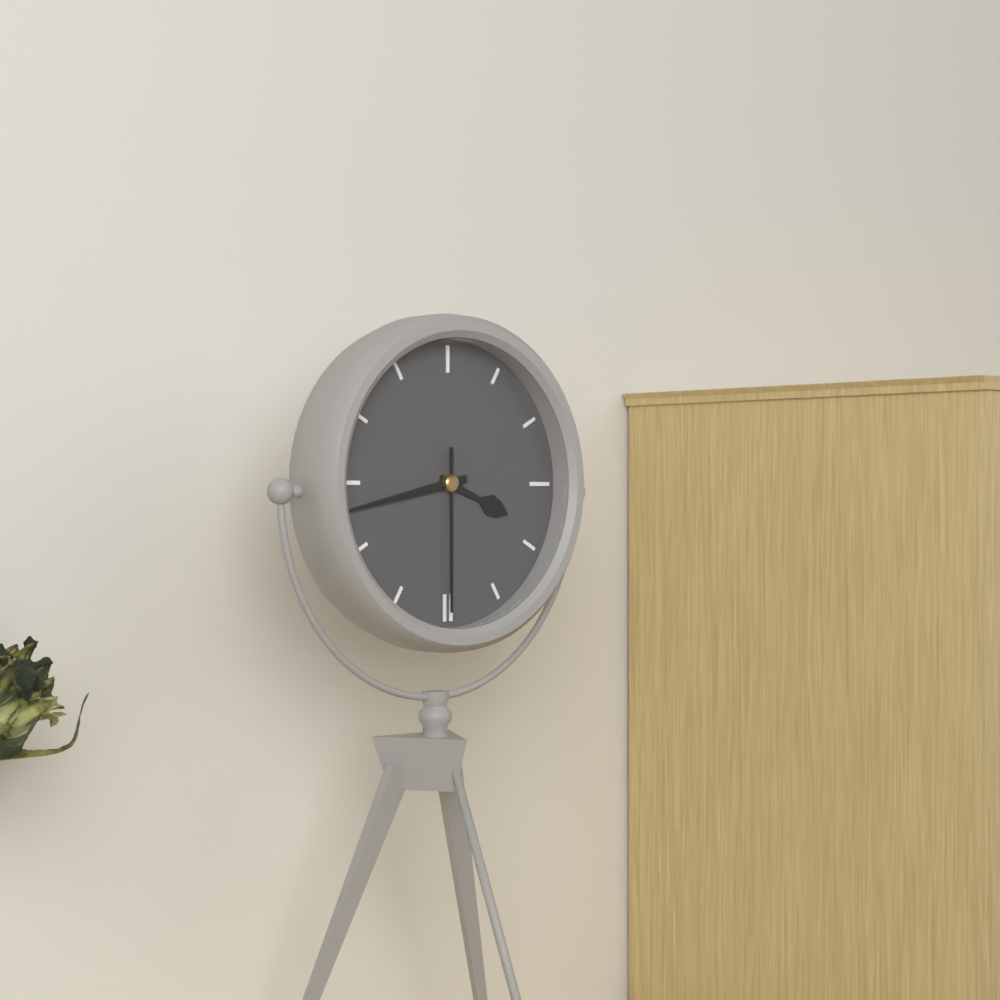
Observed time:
h=3 m=43 s=30
